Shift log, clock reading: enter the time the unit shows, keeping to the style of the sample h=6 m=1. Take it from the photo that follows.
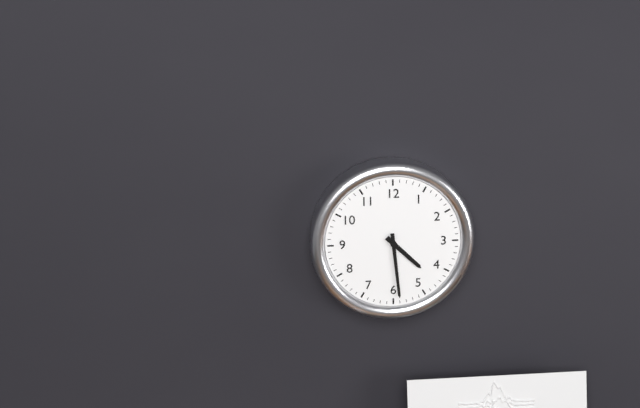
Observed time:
h=4 m=29
